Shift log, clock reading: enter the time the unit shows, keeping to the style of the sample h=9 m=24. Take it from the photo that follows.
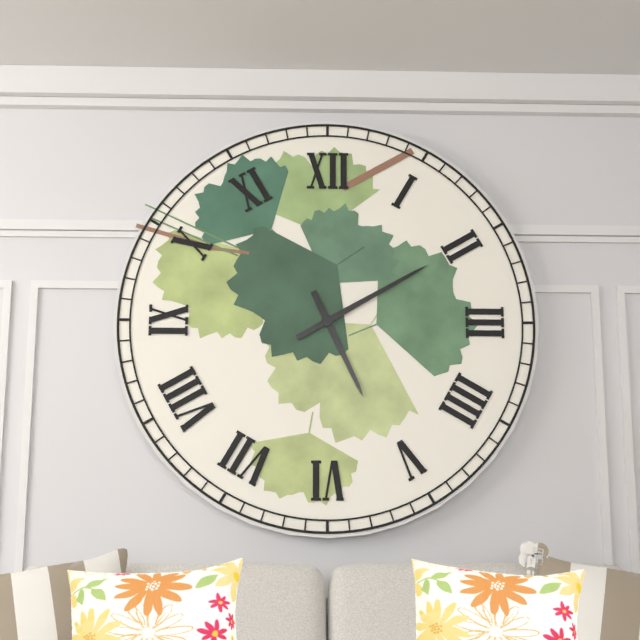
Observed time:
h=5 m=10
